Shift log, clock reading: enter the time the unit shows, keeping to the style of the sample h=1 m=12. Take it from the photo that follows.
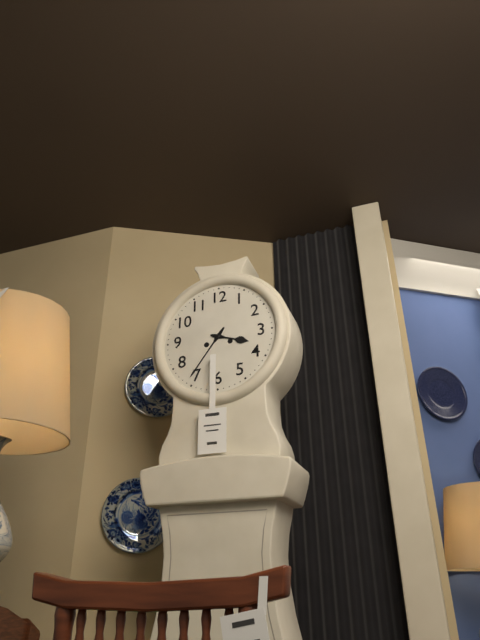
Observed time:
h=3 m=36
